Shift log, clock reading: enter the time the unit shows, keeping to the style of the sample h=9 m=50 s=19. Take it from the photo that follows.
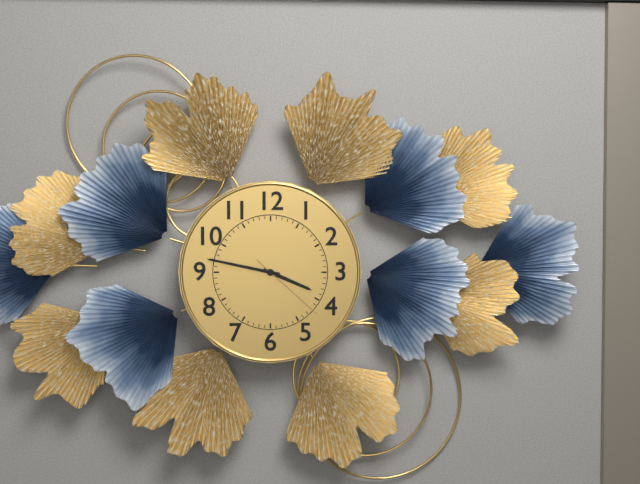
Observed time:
h=3 m=47 s=22
